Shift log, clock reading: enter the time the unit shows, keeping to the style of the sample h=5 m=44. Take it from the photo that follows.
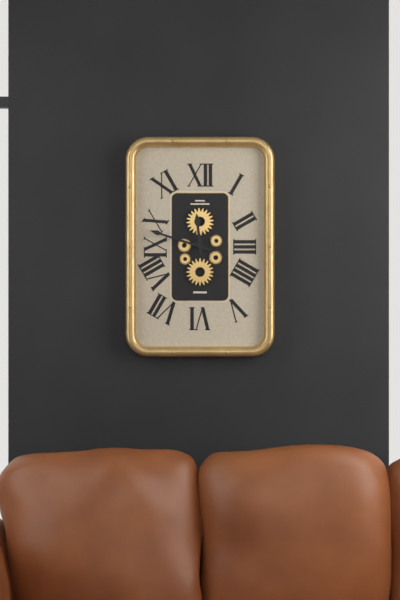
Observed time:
h=11 m=48
